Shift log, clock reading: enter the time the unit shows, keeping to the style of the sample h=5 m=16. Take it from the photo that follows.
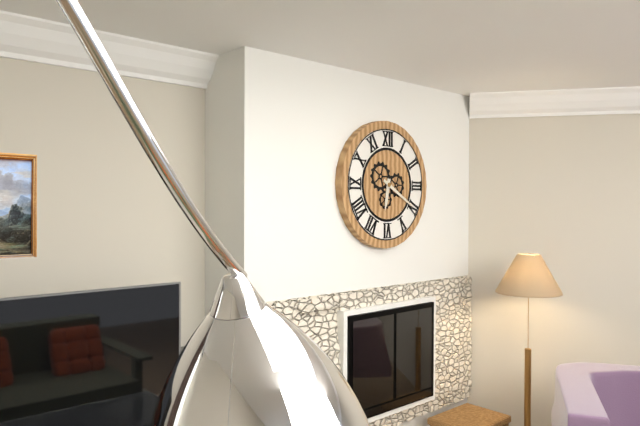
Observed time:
h=6 m=20
